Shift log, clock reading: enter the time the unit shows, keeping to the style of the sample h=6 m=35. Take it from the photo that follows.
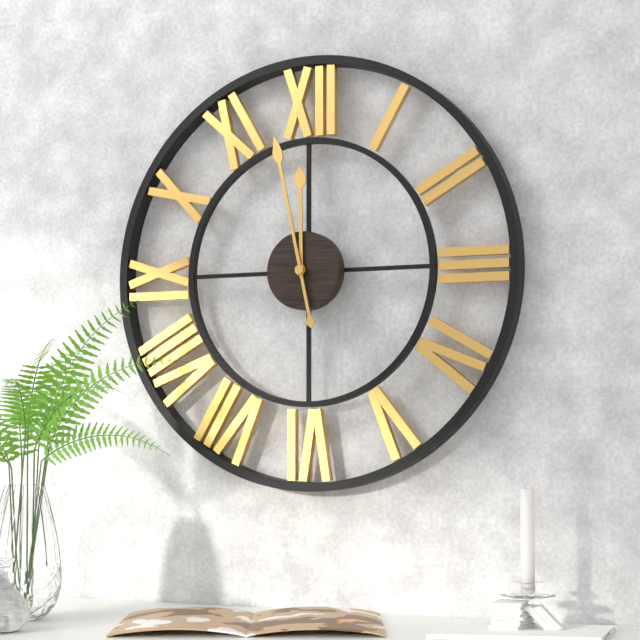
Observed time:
h=11 m=58
